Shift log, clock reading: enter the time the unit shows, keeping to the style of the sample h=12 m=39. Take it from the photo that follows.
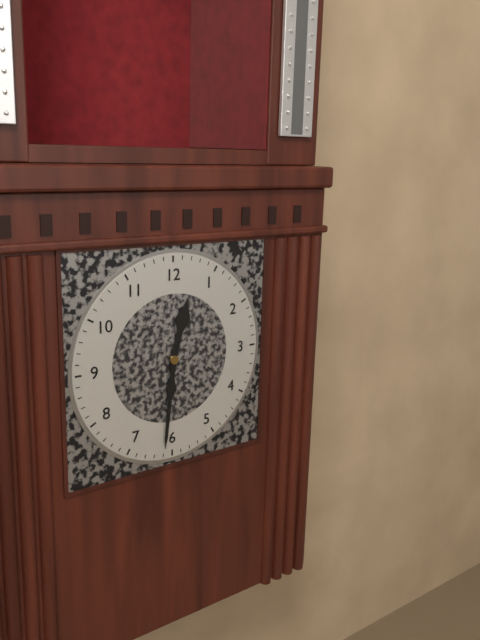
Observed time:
h=12 m=31
